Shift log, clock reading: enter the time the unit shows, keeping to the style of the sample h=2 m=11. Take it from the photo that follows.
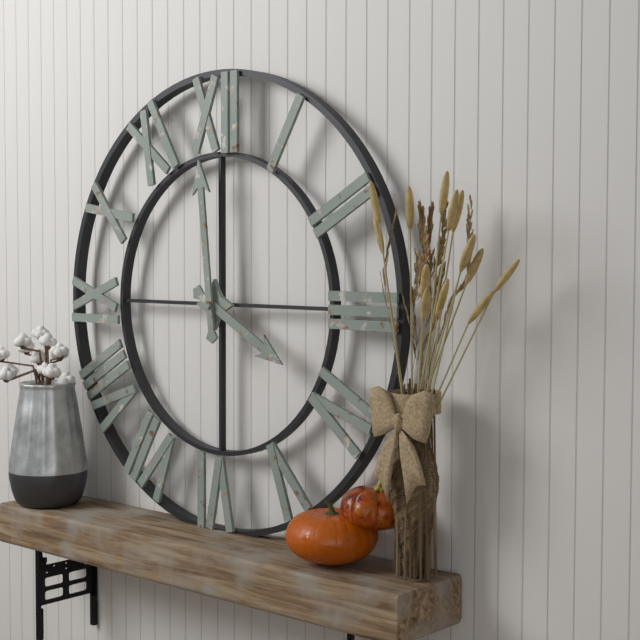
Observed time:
h=3 m=59
